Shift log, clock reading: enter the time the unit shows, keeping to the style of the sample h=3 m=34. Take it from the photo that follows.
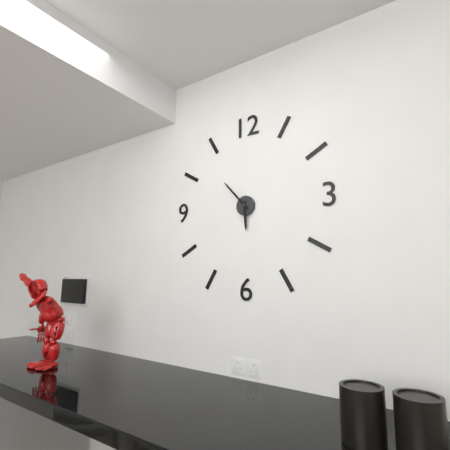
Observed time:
h=5 m=53
